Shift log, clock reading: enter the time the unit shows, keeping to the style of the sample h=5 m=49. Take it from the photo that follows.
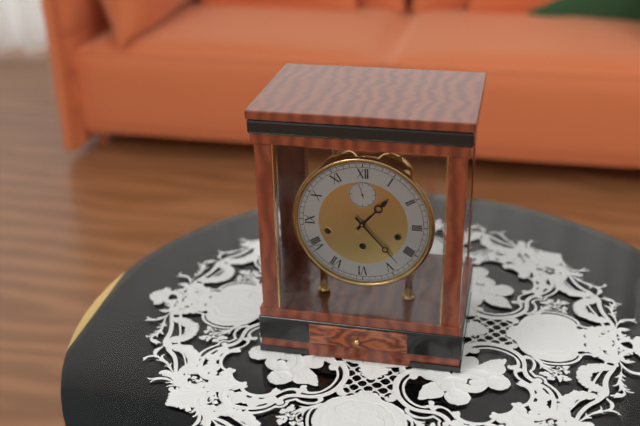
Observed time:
h=1 m=23
